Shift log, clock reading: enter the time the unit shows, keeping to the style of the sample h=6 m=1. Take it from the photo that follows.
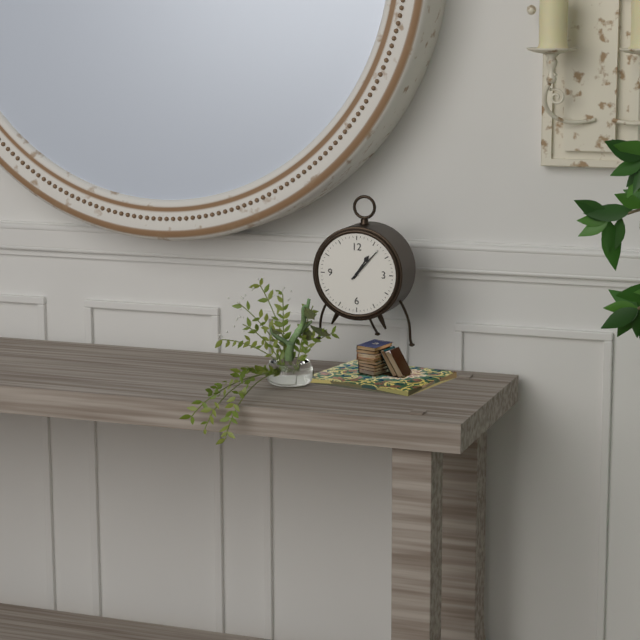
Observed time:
h=1 m=7
